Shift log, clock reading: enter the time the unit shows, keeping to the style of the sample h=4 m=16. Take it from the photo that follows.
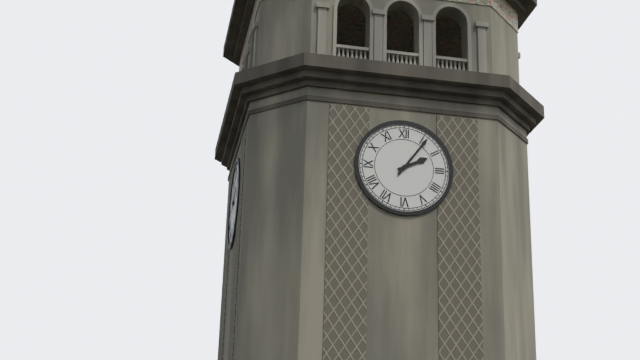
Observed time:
h=2 m=6
